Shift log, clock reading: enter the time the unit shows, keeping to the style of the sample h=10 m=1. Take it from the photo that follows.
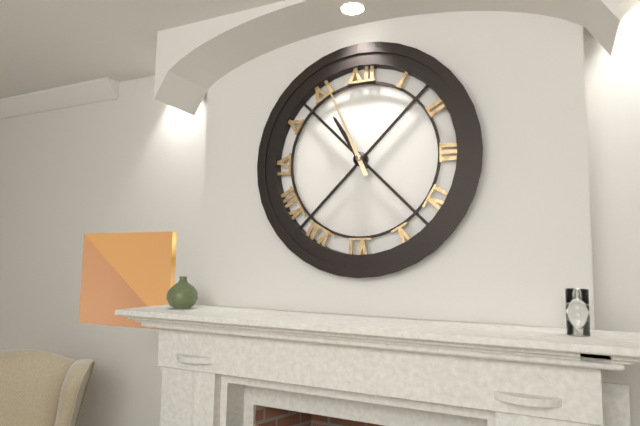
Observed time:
h=10 m=56
